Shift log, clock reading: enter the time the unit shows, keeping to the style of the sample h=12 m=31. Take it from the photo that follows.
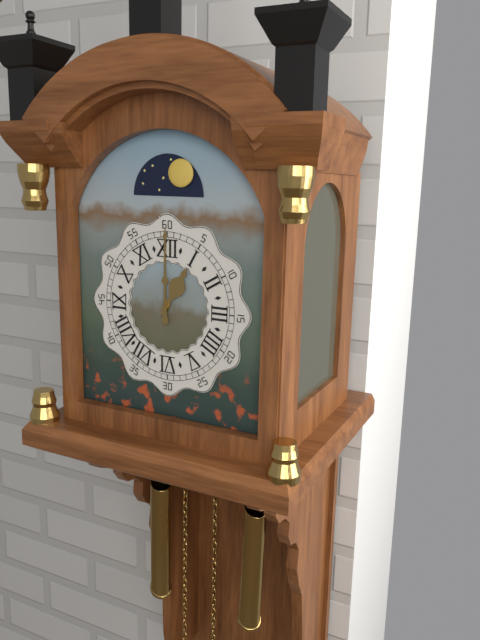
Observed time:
h=1 m=0
